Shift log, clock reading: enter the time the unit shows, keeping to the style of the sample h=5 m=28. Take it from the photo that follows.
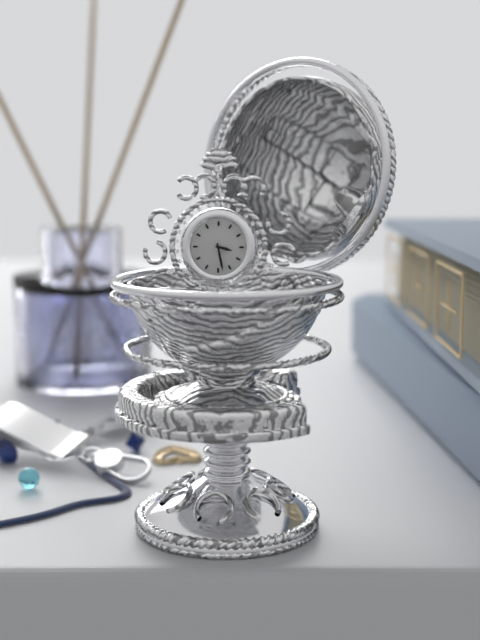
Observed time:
h=3 m=28
